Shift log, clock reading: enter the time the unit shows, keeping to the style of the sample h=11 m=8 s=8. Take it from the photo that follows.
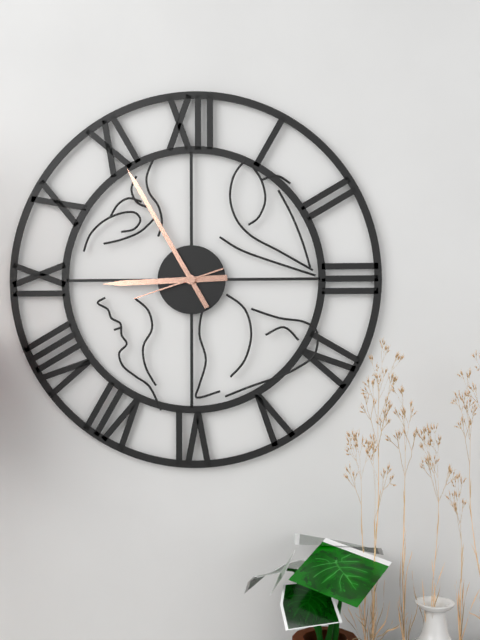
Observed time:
h=8 m=55 s=42
